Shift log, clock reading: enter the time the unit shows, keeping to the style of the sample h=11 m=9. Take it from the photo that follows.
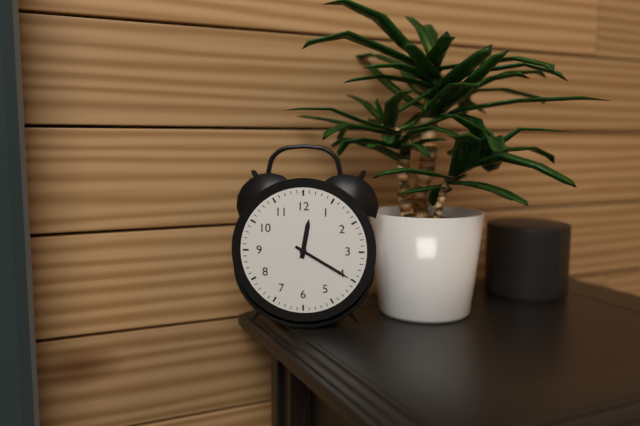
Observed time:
h=12 m=20
